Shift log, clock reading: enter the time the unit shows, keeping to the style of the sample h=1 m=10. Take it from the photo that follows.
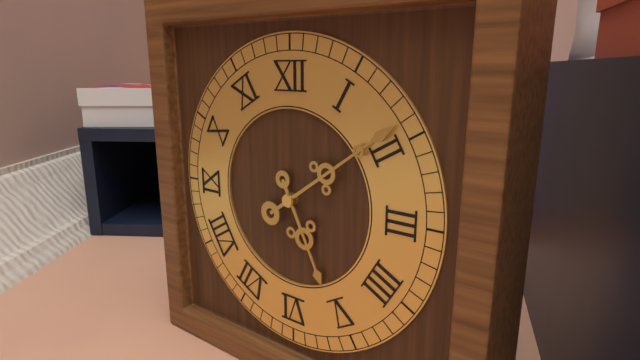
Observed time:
h=5 m=9
